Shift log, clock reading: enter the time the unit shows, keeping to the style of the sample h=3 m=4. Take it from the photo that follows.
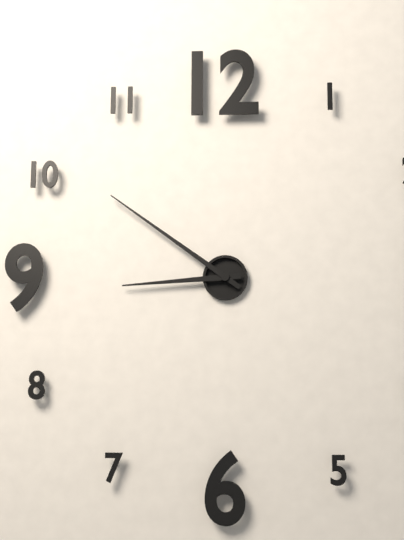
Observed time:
h=8 m=51
